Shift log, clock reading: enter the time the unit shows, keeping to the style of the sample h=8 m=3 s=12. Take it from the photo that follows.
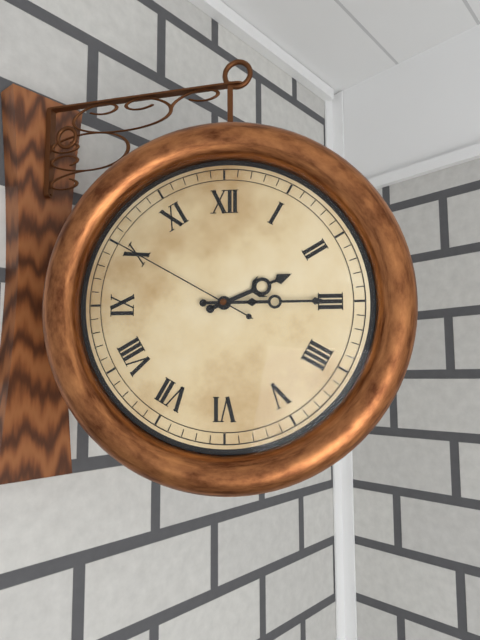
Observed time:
h=2 m=15 s=50
